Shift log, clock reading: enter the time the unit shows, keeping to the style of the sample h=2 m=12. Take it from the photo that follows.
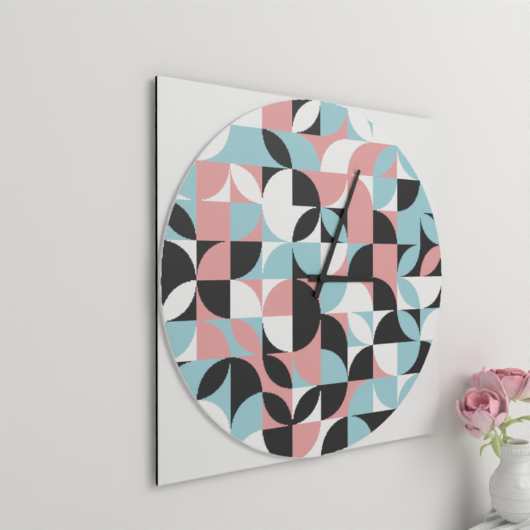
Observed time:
h=3 m=4
